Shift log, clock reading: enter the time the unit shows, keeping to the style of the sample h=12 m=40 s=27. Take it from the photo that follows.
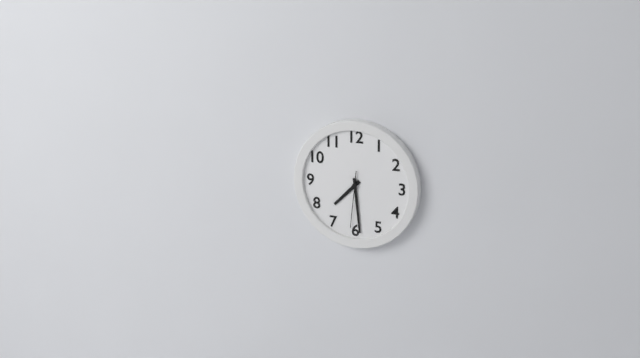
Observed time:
h=7 m=29 s=31
